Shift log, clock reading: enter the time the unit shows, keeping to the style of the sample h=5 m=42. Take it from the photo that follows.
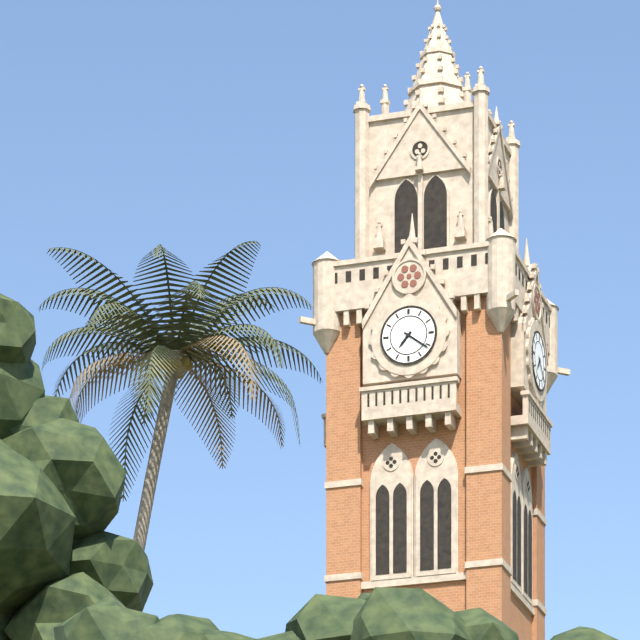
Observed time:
h=7 m=21
